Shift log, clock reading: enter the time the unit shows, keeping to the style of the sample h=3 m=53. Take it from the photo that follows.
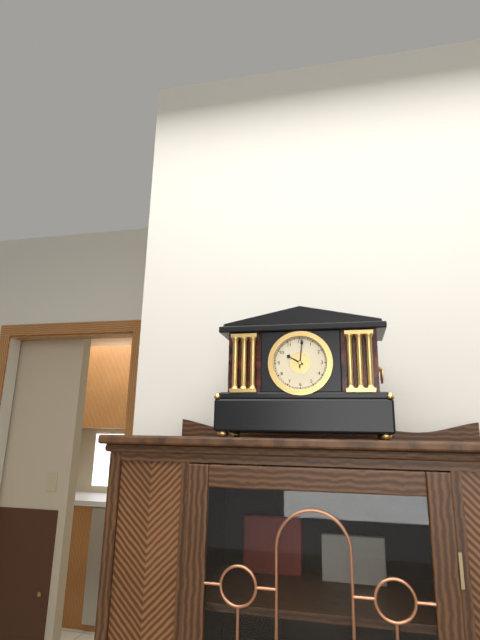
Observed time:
h=10 m=1
